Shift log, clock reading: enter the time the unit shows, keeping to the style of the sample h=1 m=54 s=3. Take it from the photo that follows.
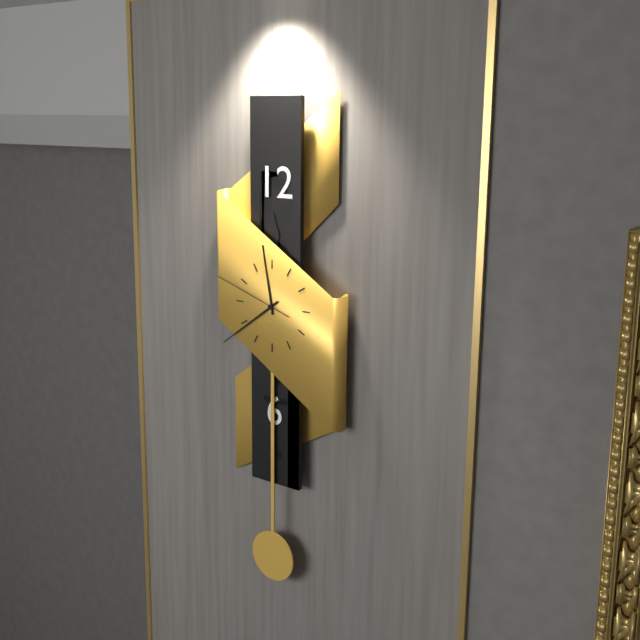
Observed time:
h=11 m=39 s=48
